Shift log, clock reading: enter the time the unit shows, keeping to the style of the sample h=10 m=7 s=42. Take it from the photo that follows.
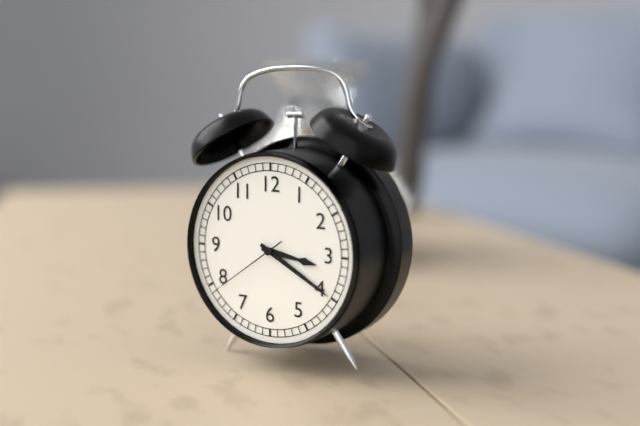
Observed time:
h=3 m=20 s=39
